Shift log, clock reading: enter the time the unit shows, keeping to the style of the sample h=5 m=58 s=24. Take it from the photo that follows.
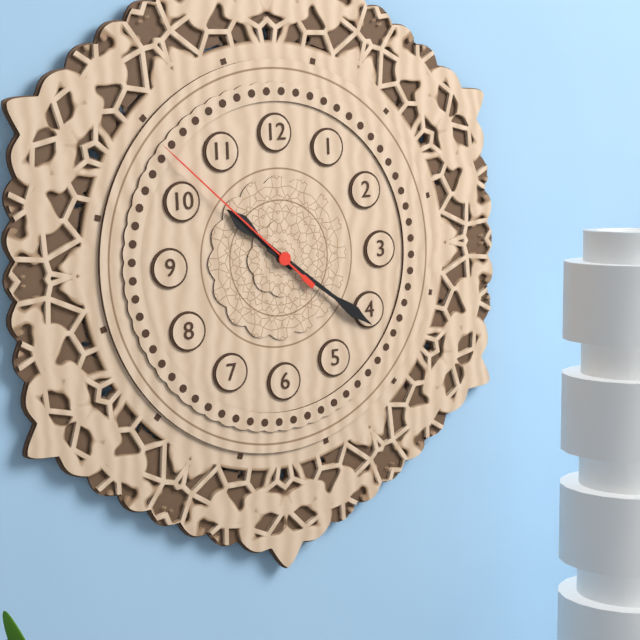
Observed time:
h=10 m=21 s=52
